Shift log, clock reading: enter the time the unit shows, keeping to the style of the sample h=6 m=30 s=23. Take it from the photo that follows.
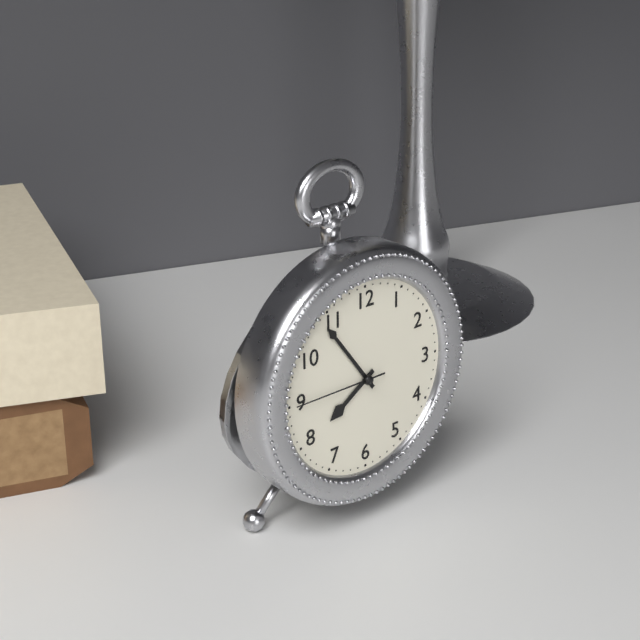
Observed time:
h=7 m=54 s=45
